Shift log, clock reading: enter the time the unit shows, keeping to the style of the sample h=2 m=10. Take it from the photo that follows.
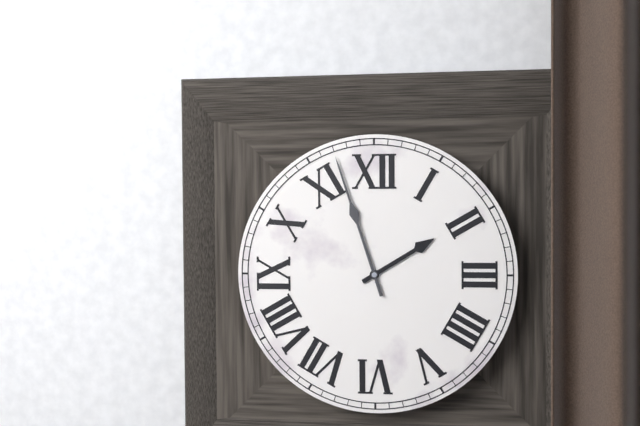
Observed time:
h=1 m=57
